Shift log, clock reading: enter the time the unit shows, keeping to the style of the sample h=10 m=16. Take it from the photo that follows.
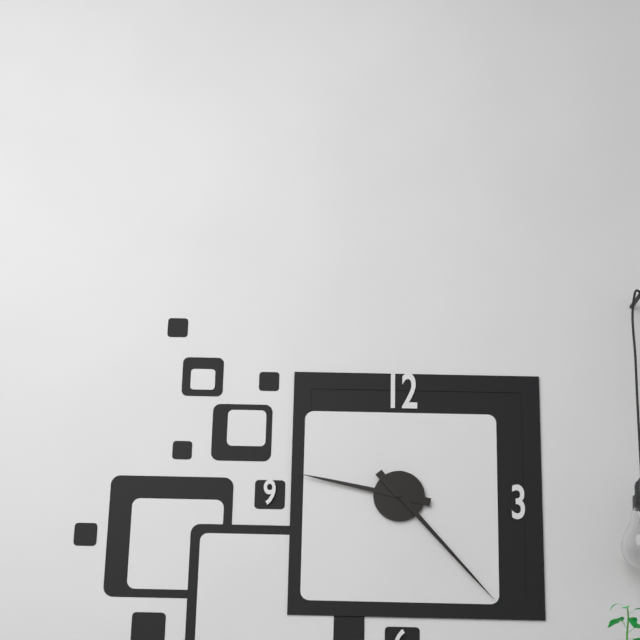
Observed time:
h=9 m=23
